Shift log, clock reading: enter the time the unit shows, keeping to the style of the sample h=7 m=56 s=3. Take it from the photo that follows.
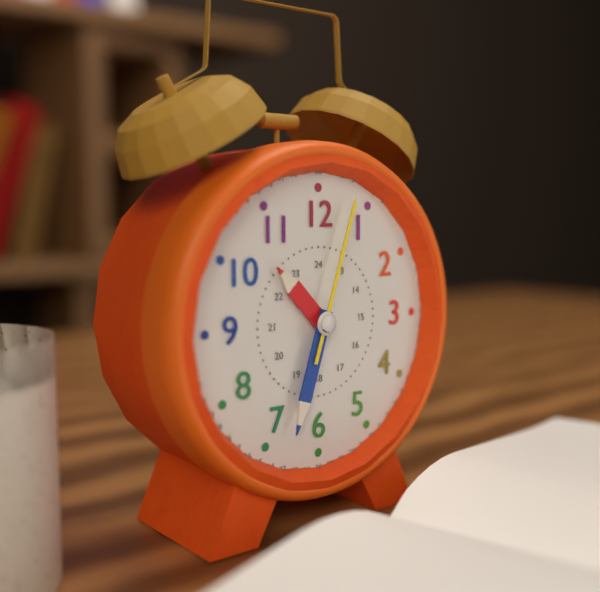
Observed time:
h=10 m=33 s=3
